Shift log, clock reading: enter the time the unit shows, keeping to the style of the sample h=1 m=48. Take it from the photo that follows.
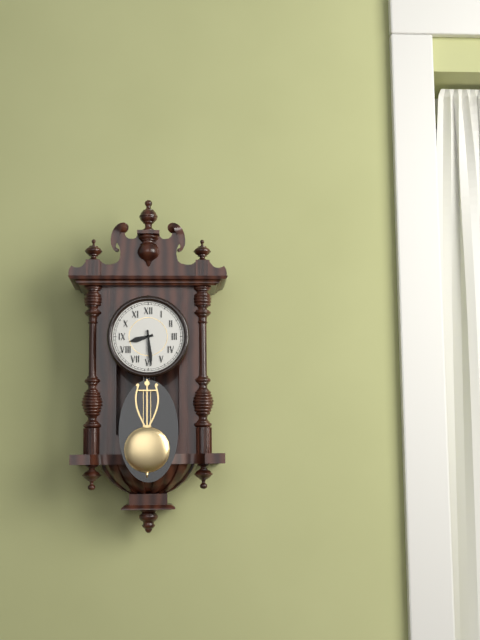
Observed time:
h=8 m=29
